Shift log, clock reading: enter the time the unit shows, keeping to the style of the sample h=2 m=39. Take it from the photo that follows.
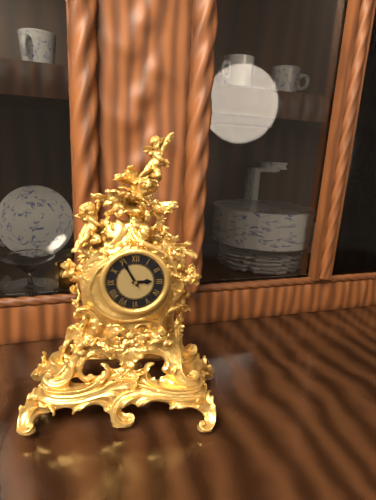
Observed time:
h=2 m=55
